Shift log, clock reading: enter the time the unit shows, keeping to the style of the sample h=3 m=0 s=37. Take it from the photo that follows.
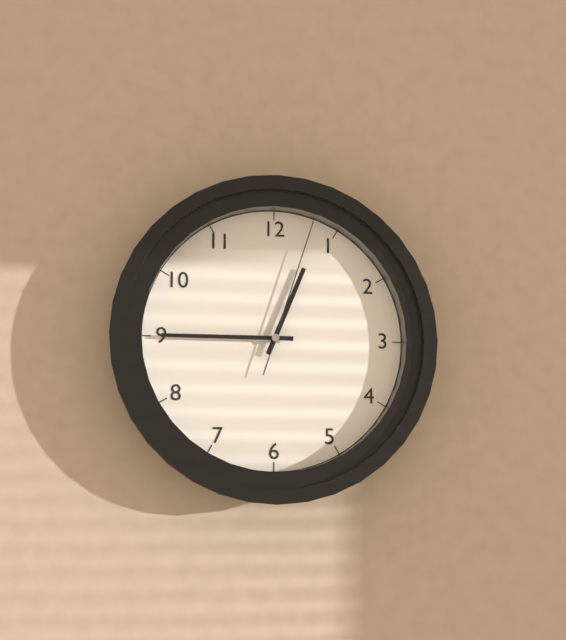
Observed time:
h=12 m=45 s=3
